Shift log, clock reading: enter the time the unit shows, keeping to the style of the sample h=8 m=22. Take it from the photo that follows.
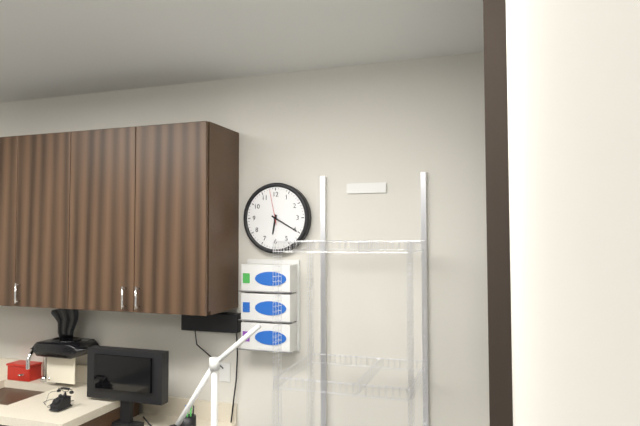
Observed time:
h=6 m=20
